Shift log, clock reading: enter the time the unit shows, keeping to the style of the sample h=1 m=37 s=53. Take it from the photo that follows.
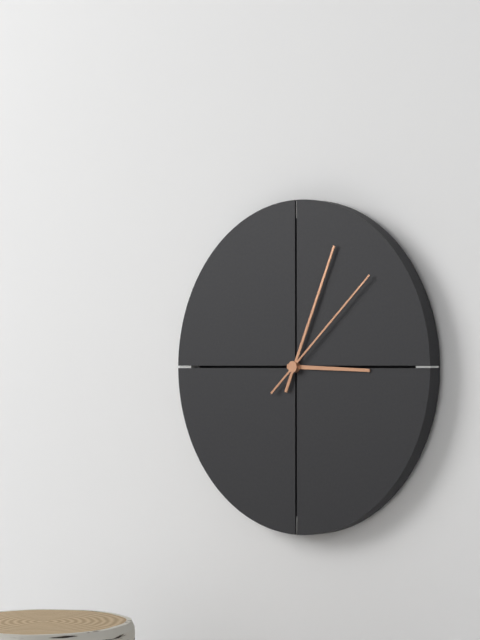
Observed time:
h=3 m=4 s=8
